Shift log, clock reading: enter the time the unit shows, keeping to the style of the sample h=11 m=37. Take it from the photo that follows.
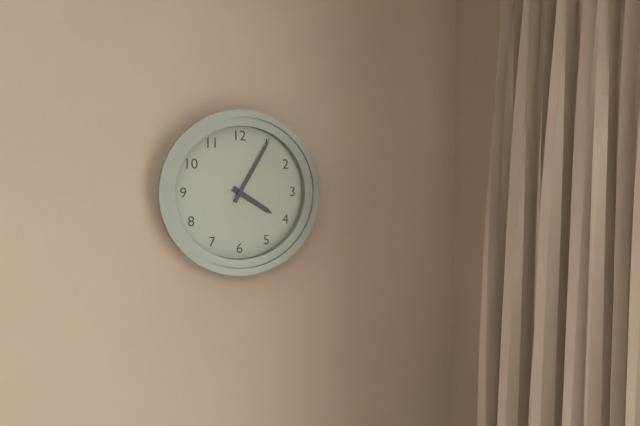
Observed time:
h=4 m=5
